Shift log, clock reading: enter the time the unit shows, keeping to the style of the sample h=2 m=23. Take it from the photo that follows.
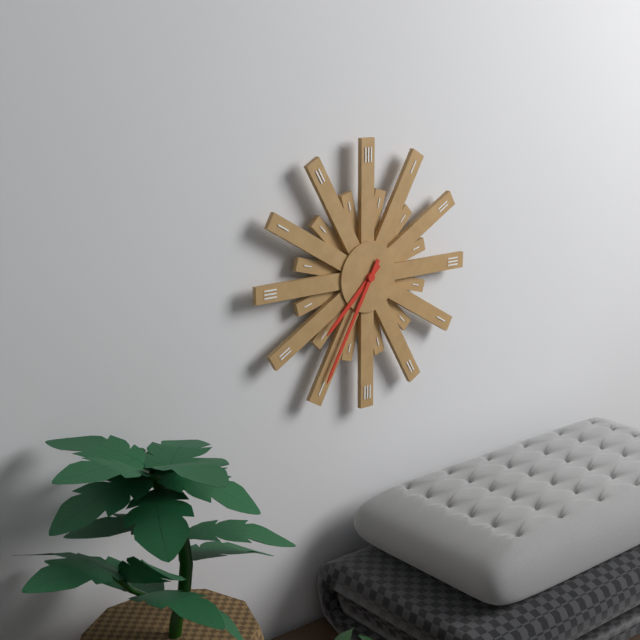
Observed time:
h=7 m=35
